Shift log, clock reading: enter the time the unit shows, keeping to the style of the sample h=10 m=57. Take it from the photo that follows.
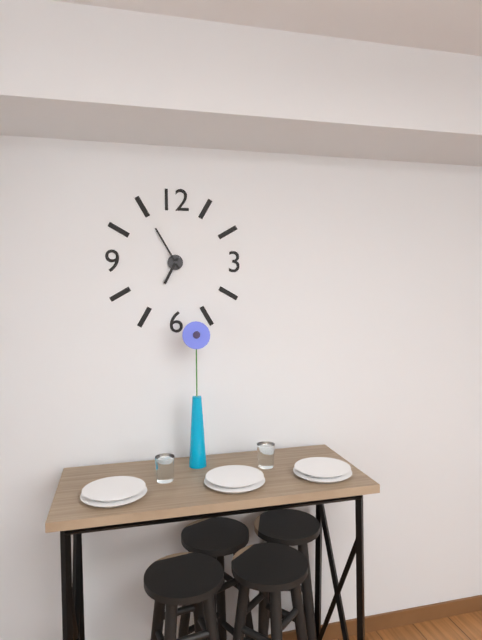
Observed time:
h=6 m=55
